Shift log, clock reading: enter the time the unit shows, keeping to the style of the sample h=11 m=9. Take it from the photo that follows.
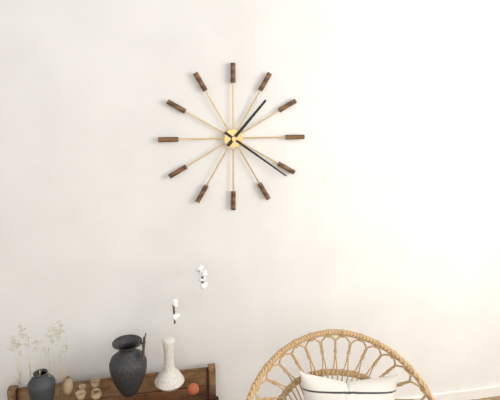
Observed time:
h=1 m=21
